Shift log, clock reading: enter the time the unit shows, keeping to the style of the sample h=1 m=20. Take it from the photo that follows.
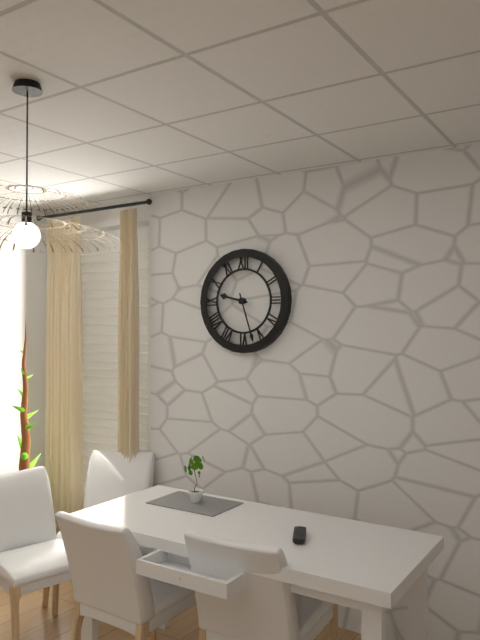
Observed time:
h=9 m=27
